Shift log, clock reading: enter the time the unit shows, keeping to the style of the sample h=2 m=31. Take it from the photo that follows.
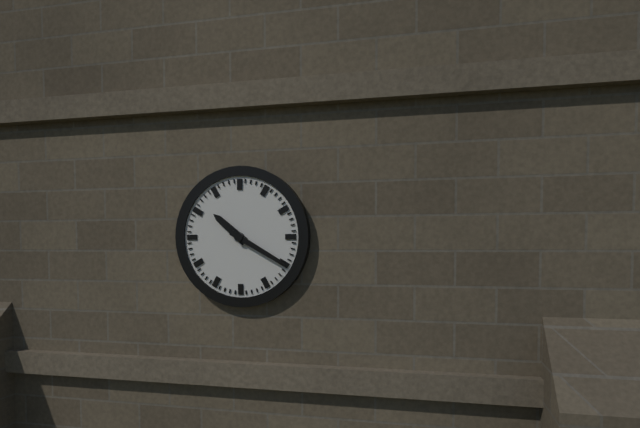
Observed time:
h=10 m=20
